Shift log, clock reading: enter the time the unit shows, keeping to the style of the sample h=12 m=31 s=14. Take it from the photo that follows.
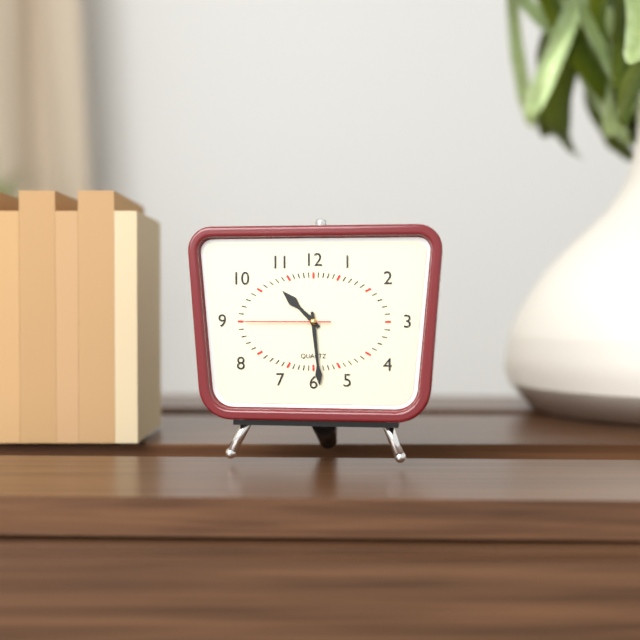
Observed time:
h=10 m=29 s=45
